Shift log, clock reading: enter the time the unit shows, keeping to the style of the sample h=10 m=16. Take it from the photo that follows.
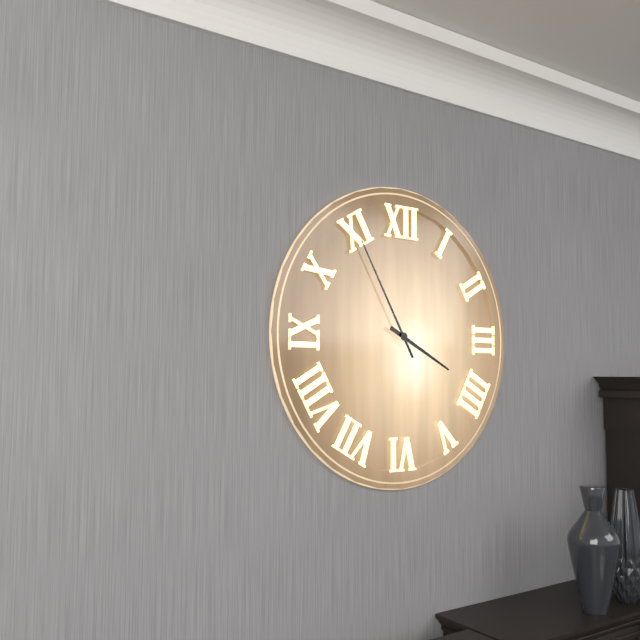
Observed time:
h=3 m=55
